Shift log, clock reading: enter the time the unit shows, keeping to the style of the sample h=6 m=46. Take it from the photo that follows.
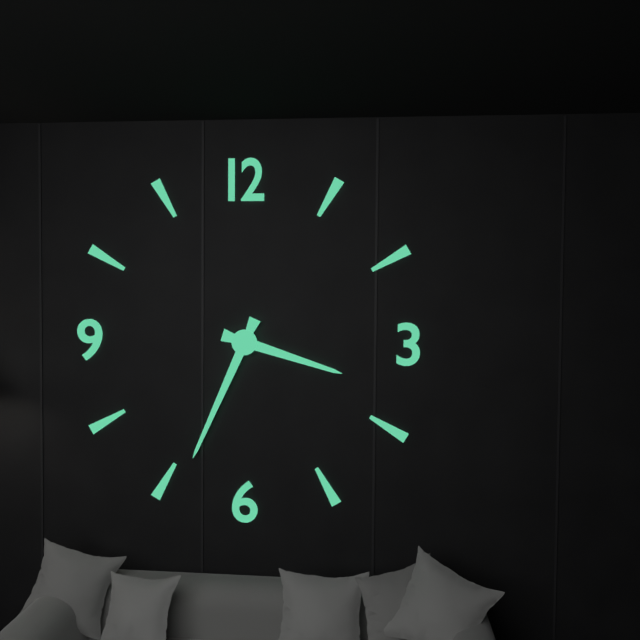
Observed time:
h=3 m=34
